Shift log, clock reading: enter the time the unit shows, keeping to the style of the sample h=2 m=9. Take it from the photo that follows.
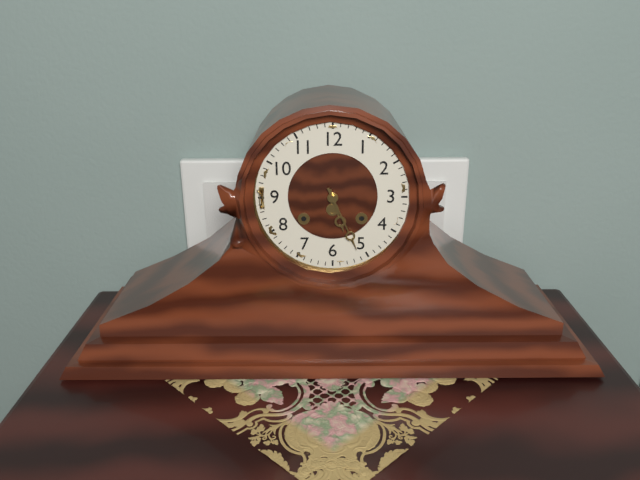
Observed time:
h=5 m=26
